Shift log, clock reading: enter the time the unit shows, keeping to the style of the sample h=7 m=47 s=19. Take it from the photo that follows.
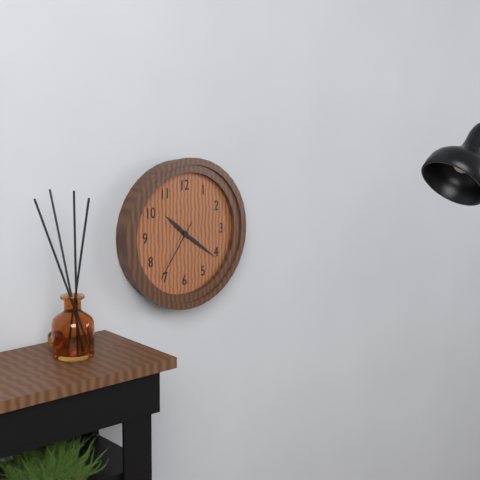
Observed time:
h=10 m=21 s=36
